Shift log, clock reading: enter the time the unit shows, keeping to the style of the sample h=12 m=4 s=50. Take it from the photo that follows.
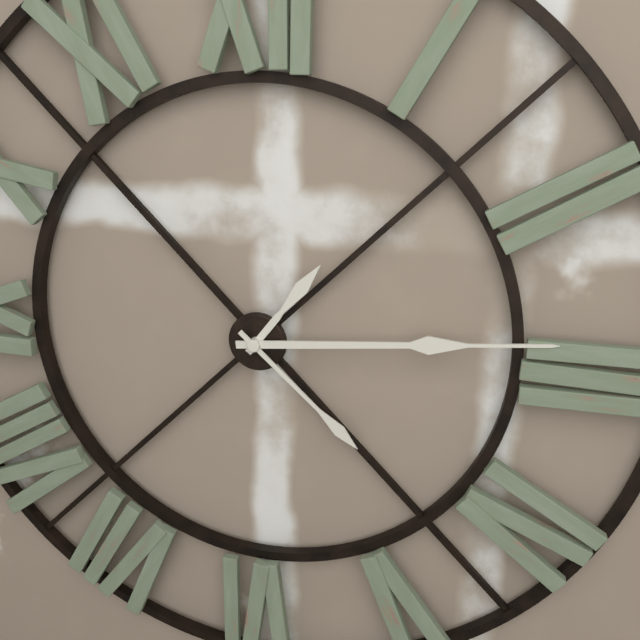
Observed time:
h=1 m=14 s=22
